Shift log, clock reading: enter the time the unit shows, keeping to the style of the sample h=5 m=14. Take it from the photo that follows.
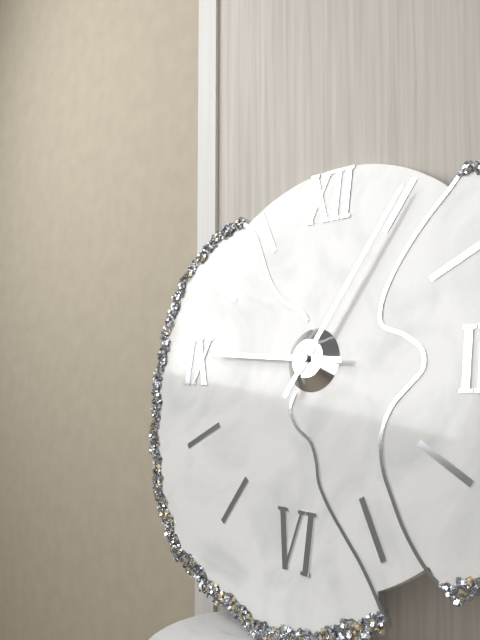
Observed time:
h=9 m=5
